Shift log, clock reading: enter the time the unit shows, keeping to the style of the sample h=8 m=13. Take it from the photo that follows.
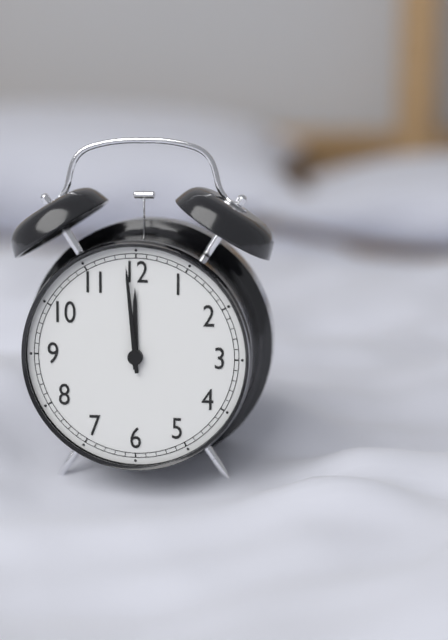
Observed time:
h=11 m=59
